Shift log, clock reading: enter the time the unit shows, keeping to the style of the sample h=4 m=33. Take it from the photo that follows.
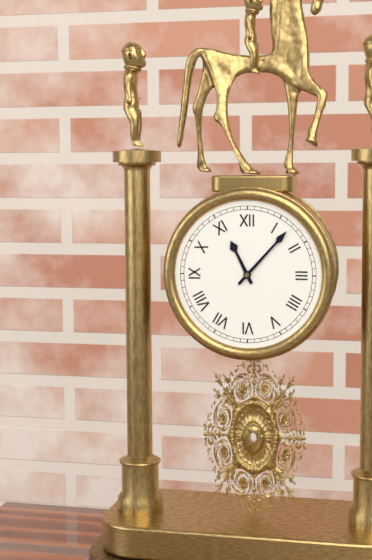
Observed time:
h=11 m=7
